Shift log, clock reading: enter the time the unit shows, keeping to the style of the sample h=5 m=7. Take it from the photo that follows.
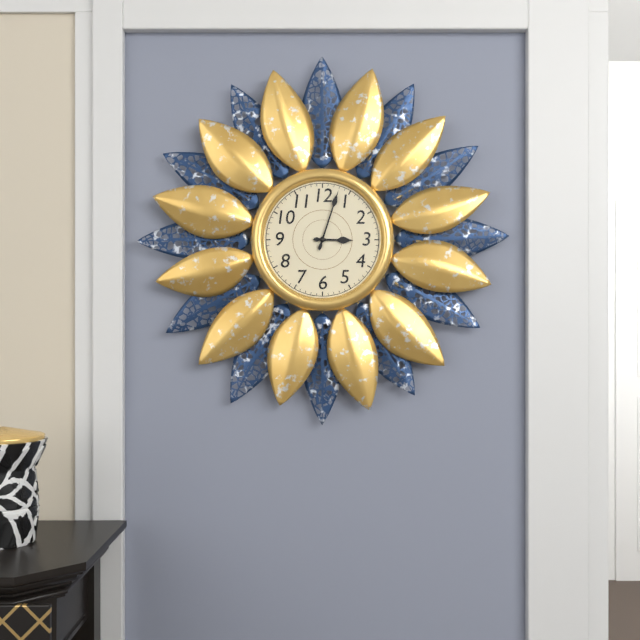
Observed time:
h=3 m=3
